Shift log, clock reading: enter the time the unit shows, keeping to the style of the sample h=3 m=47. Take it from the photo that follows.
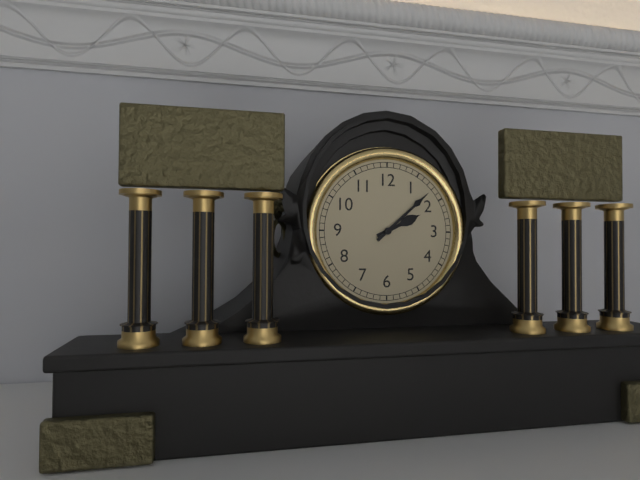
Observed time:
h=2 m=8
